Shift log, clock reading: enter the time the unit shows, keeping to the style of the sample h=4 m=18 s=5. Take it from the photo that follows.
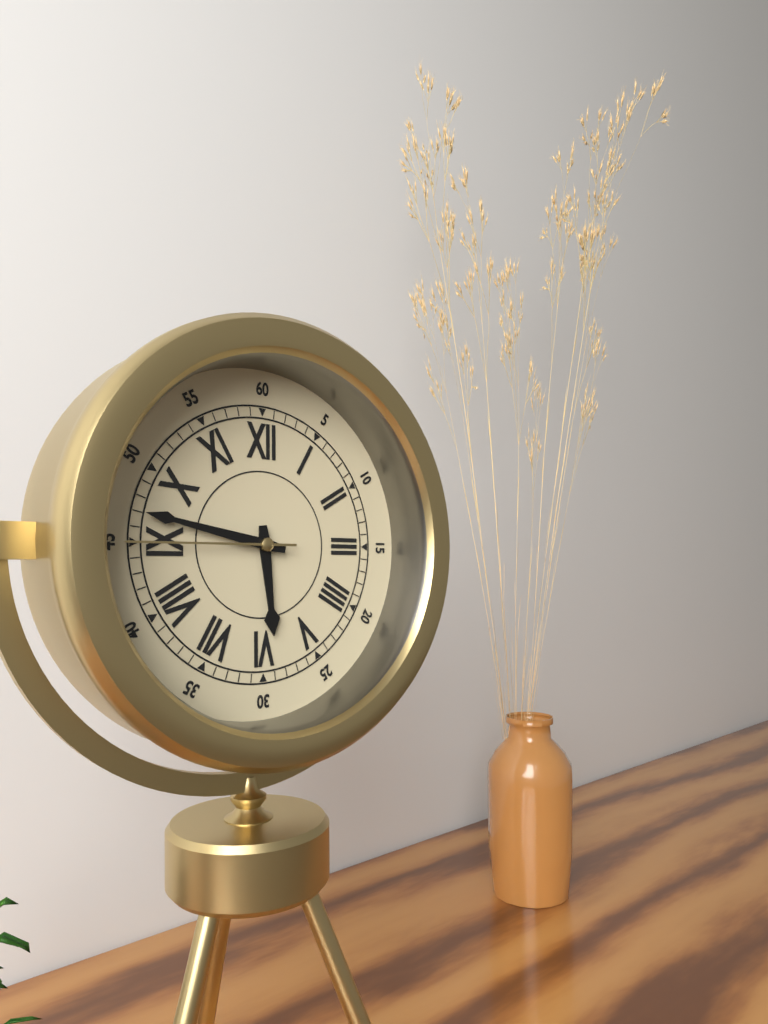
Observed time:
h=5 m=47 s=45
